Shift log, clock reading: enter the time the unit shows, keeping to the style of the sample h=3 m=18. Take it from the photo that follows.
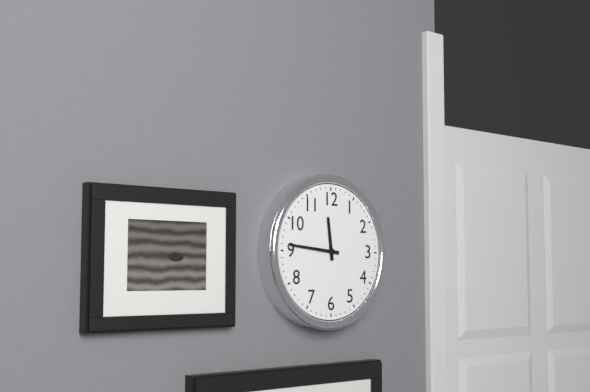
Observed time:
h=11 m=46
